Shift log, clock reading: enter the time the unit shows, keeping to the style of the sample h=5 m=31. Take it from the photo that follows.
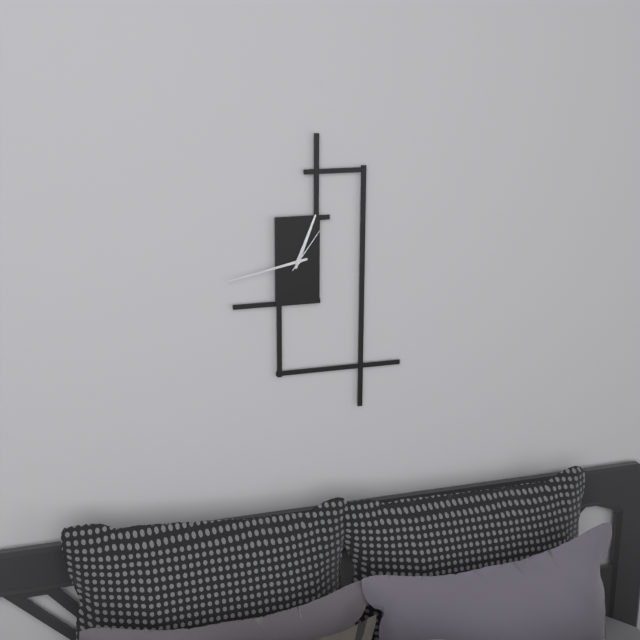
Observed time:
h=12 m=43
